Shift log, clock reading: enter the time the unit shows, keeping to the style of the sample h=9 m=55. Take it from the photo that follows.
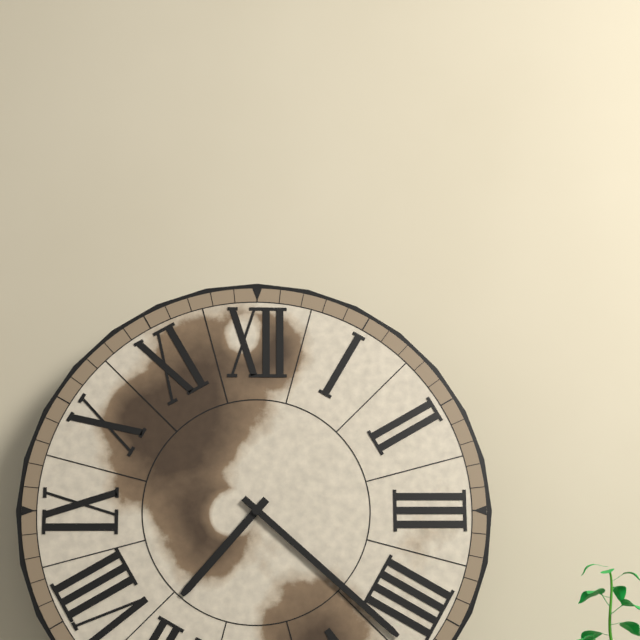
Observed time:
h=7 m=22
